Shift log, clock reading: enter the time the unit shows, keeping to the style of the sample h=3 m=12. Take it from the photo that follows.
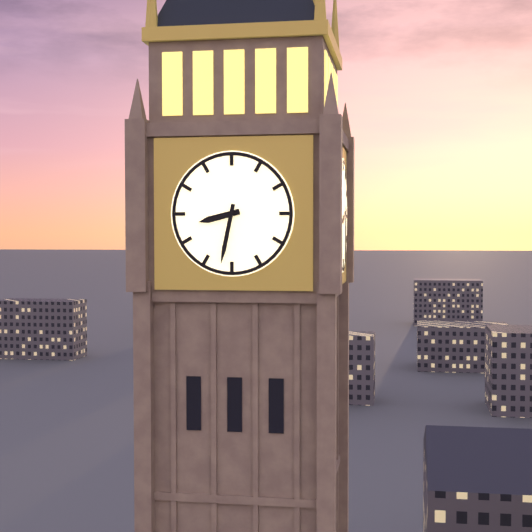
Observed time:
h=8 m=32
